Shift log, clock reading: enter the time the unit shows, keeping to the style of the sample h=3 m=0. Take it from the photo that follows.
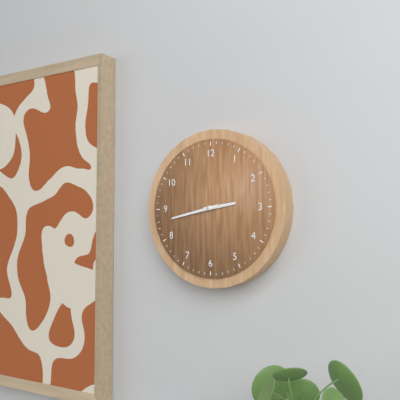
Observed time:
h=2 m=43
